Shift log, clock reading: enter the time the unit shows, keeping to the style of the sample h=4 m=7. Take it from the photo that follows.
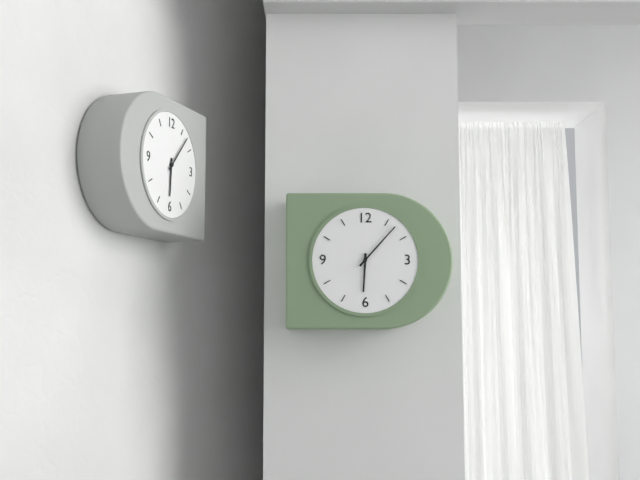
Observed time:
h=6 m=7
